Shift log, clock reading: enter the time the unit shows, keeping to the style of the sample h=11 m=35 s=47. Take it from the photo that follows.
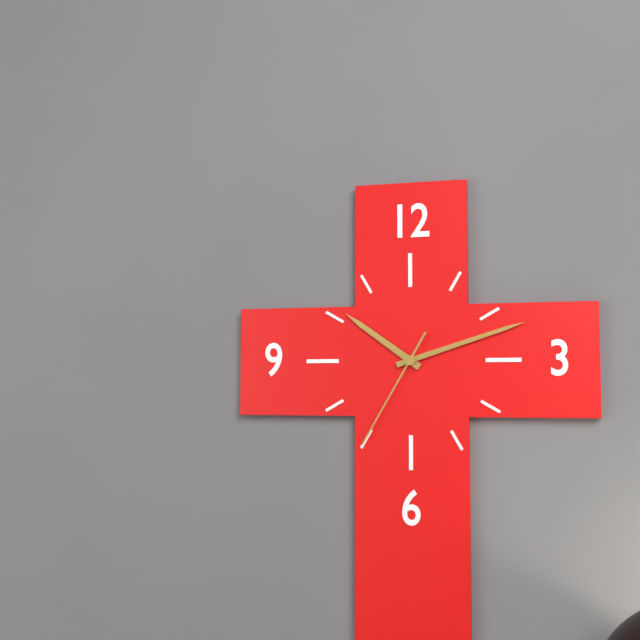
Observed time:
h=10 m=12 s=35
